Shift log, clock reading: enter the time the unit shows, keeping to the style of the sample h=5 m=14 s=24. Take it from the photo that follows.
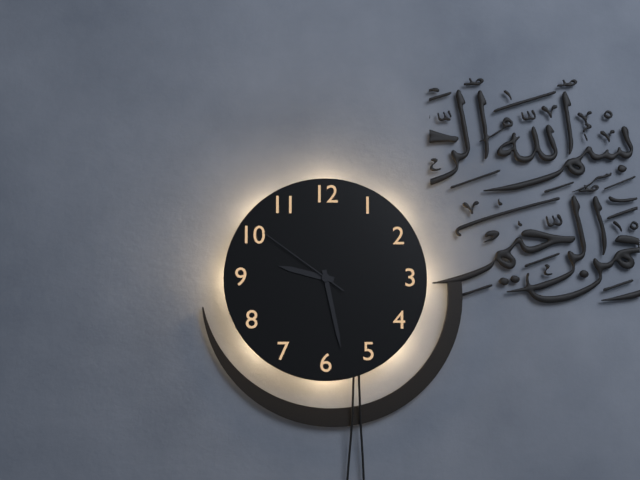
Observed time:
h=9 m=28 s=51
